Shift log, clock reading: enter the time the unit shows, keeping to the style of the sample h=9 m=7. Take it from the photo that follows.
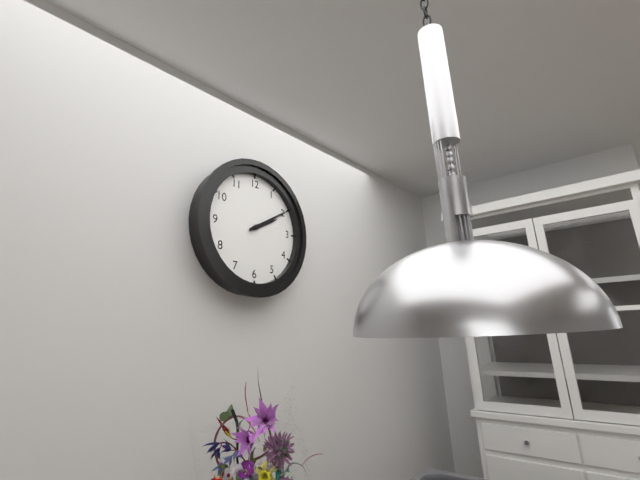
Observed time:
h=2 m=10
